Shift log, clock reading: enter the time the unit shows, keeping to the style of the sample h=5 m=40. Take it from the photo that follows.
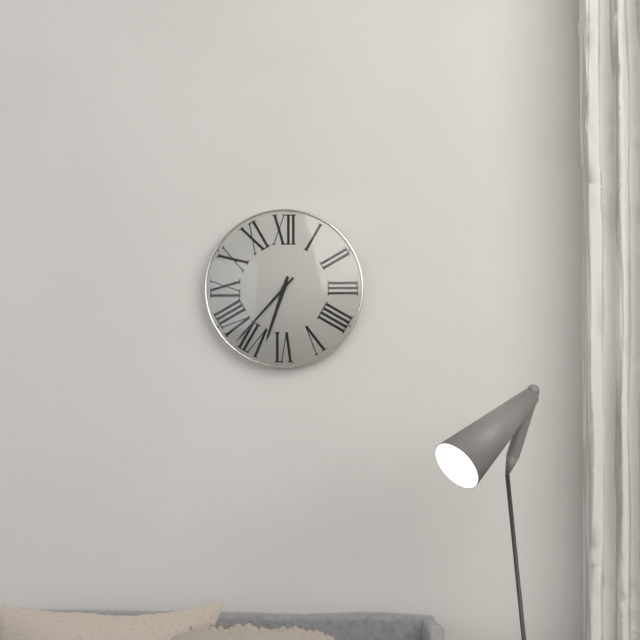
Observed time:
h=6 m=37
